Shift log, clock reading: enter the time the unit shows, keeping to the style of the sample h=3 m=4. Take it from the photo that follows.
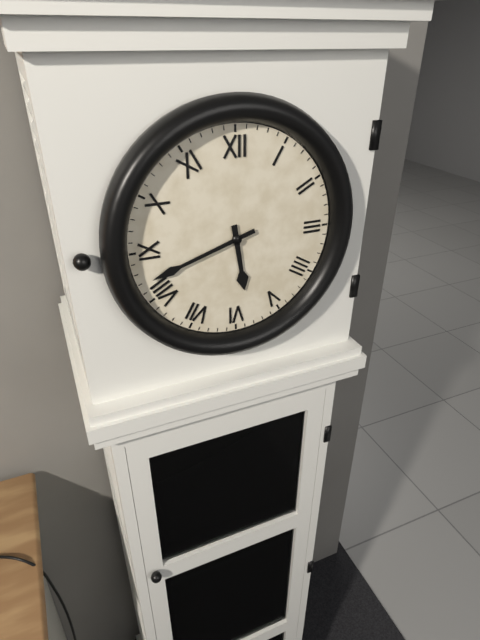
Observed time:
h=5 m=42
